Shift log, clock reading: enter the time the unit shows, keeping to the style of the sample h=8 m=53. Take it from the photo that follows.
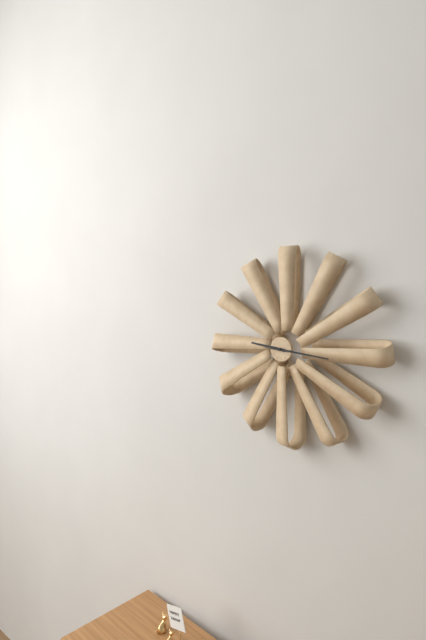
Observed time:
h=9 m=16
